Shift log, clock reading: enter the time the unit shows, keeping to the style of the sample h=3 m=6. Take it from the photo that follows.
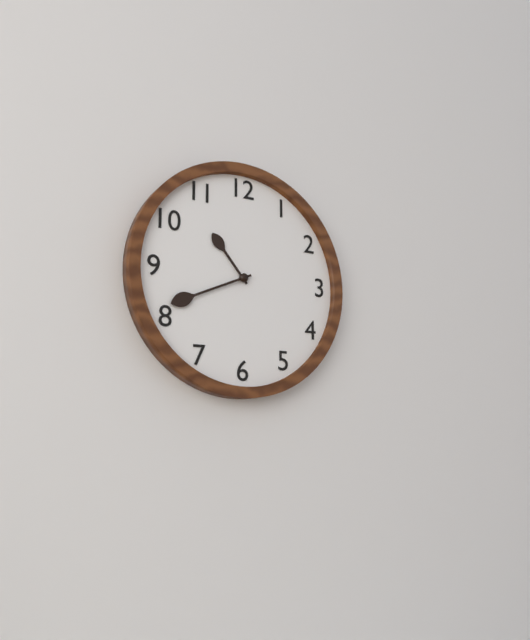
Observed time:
h=10 m=41
